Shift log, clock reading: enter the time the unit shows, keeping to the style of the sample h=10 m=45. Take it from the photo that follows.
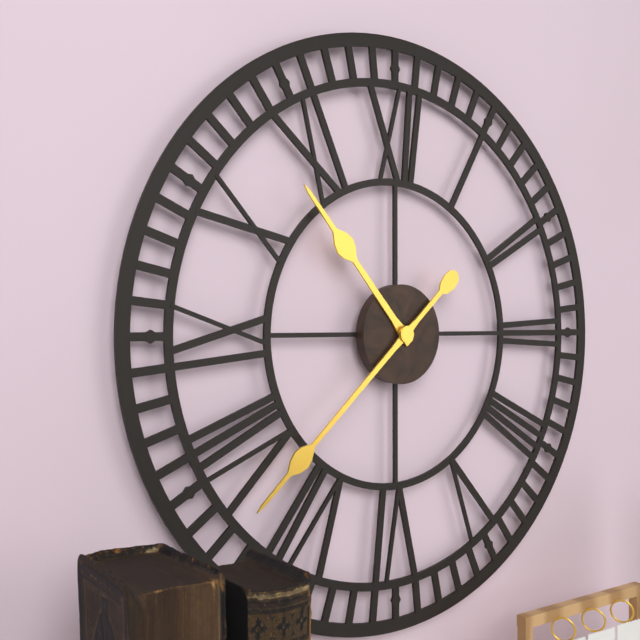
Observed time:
h=10 m=38
